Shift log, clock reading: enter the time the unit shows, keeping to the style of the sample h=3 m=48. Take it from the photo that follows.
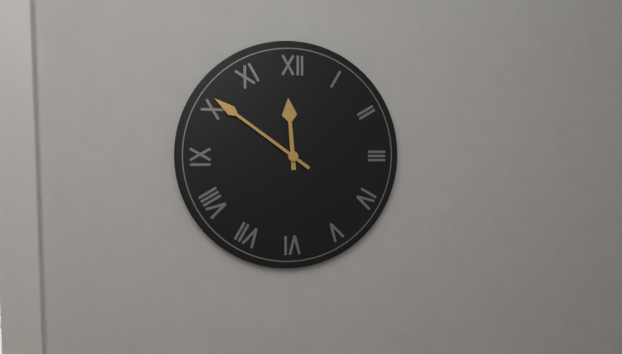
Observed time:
h=11 m=51
